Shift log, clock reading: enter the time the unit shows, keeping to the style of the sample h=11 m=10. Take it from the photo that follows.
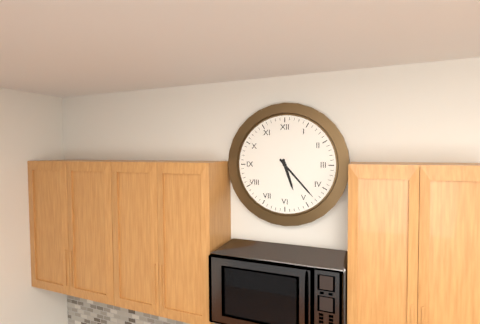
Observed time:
h=5 m=23
